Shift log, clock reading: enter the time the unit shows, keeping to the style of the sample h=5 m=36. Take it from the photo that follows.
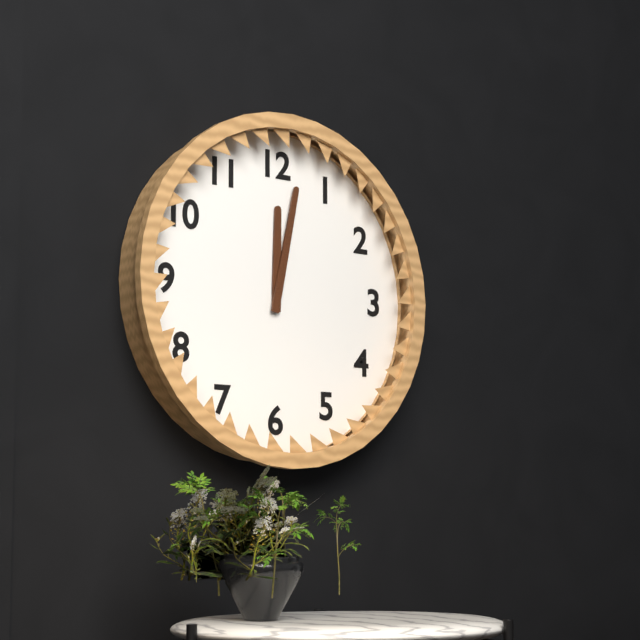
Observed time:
h=12 m=2
